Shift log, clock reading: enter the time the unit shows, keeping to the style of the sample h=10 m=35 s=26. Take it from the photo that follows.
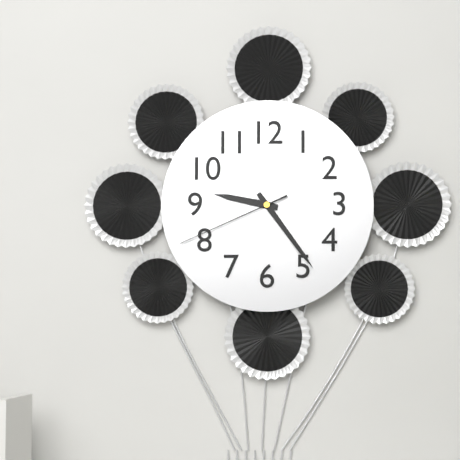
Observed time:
h=9 m=24 s=41
